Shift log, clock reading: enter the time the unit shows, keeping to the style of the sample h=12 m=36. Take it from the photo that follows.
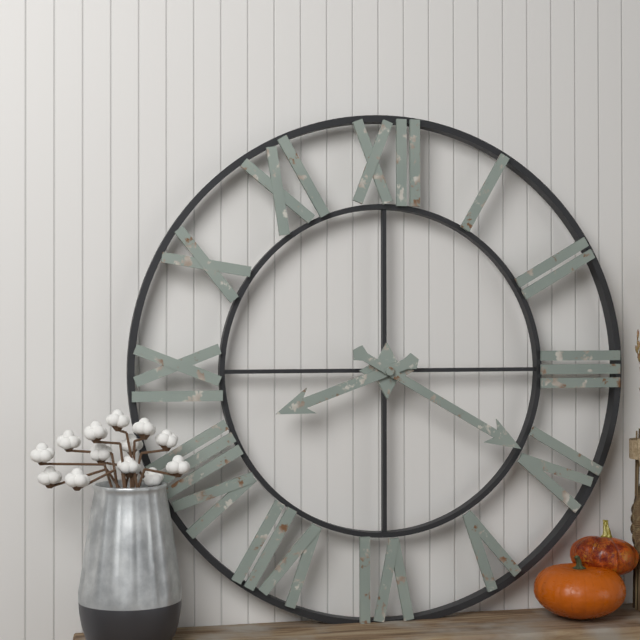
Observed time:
h=8 m=20
